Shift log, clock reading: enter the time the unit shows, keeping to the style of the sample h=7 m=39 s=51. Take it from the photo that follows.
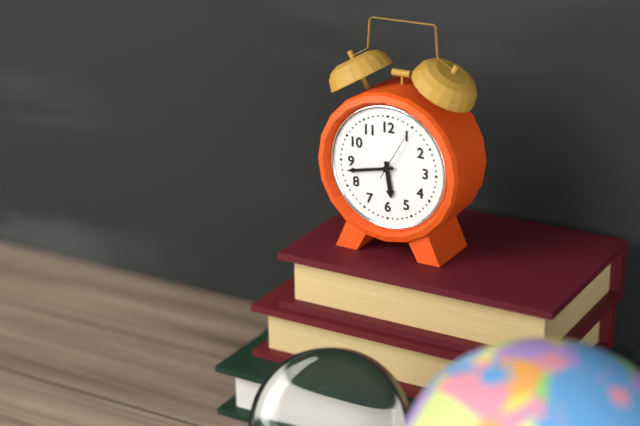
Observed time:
h=5 m=43 s=5
